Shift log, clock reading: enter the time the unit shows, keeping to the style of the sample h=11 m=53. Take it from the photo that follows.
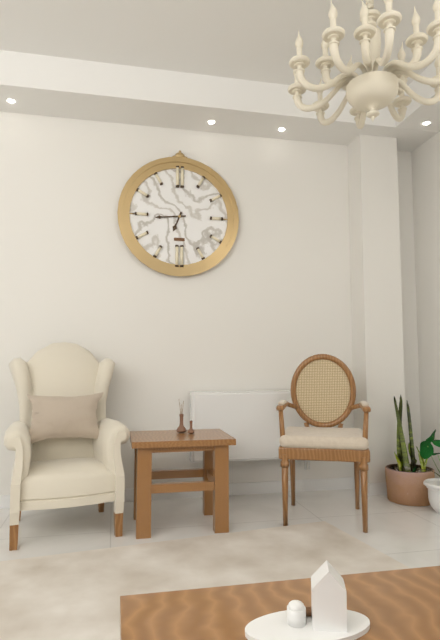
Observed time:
h=6 m=44
